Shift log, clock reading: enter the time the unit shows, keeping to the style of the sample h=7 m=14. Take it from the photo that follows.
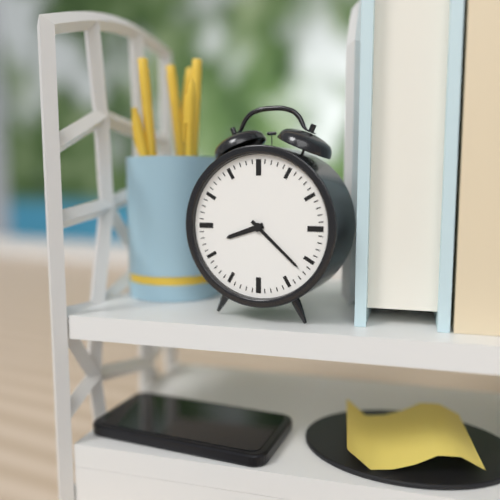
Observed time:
h=8 m=22
